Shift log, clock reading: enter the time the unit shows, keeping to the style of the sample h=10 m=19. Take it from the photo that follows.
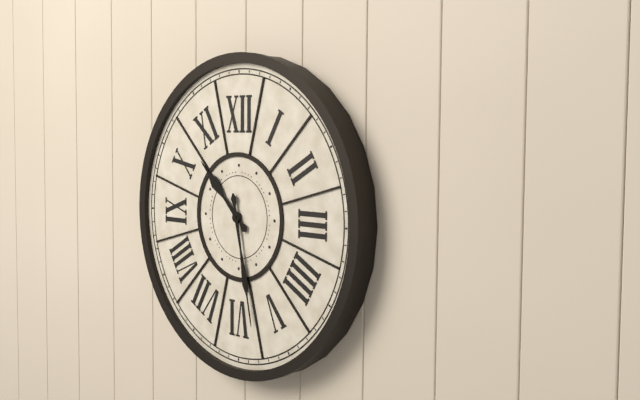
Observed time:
h=10 m=28
